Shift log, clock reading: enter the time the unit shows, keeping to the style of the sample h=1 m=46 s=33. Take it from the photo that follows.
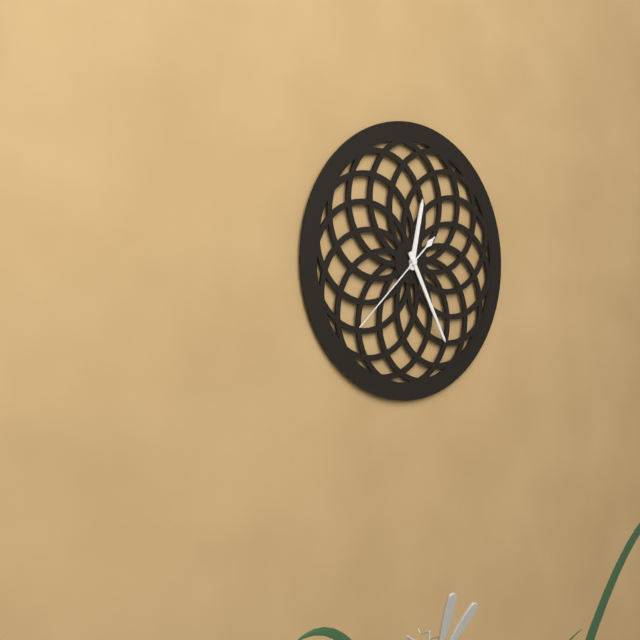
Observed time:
h=12 m=25 s=38
